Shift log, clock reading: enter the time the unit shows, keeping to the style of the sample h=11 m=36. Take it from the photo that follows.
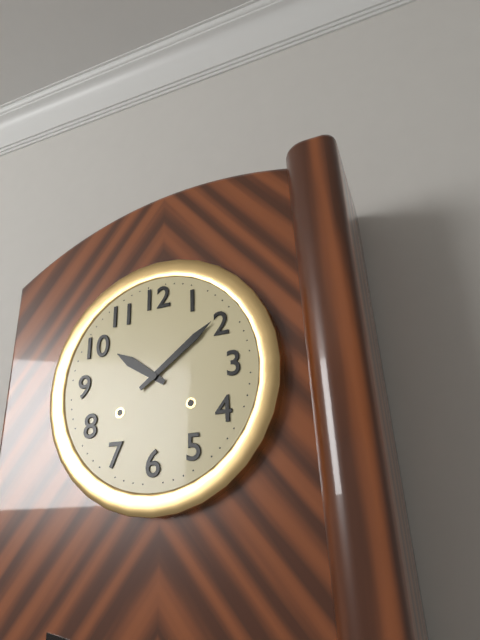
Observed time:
h=10 m=9
